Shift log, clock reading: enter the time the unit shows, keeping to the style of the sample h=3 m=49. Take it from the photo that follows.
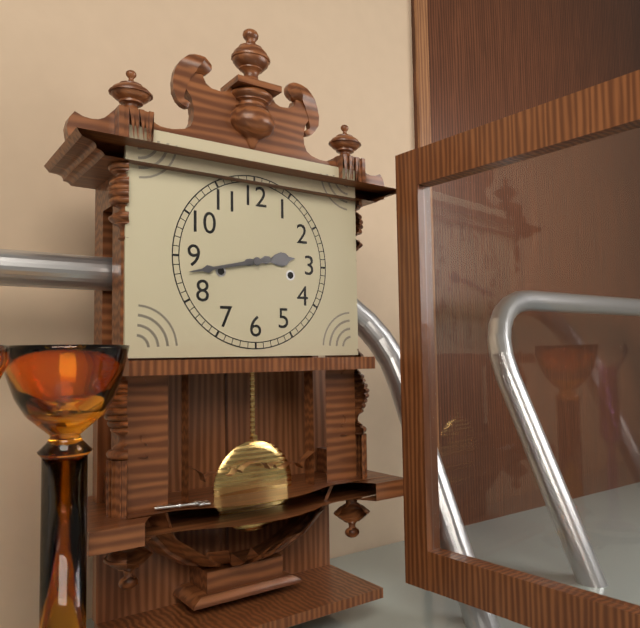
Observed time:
h=2 m=43
